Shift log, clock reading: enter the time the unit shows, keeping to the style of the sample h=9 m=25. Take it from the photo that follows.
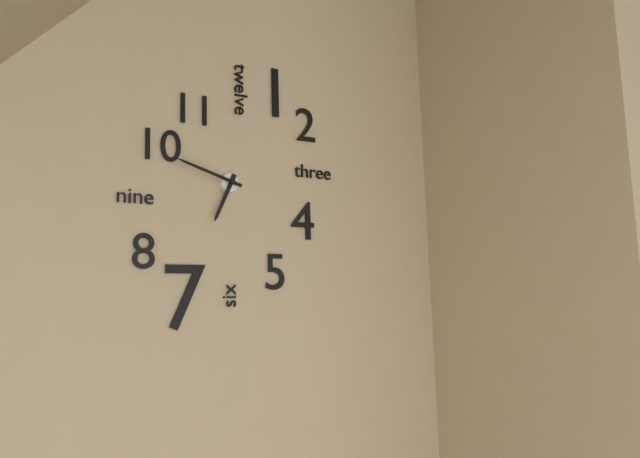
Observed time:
h=6 m=48
